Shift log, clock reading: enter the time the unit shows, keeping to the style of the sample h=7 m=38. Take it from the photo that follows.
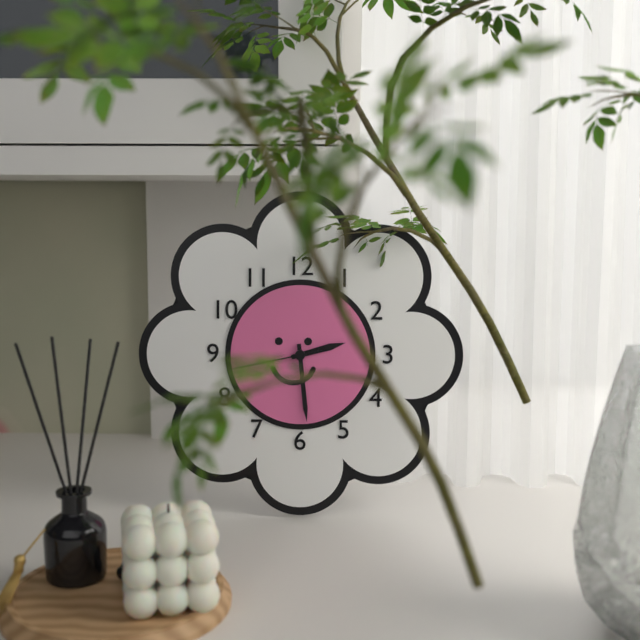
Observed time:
h=2 m=29
